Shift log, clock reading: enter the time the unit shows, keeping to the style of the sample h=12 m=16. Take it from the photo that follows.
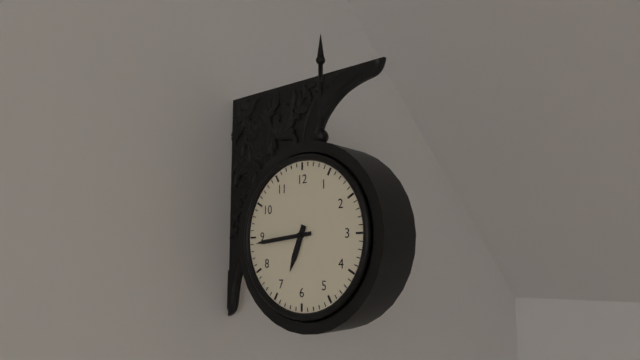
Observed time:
h=6 m=44
